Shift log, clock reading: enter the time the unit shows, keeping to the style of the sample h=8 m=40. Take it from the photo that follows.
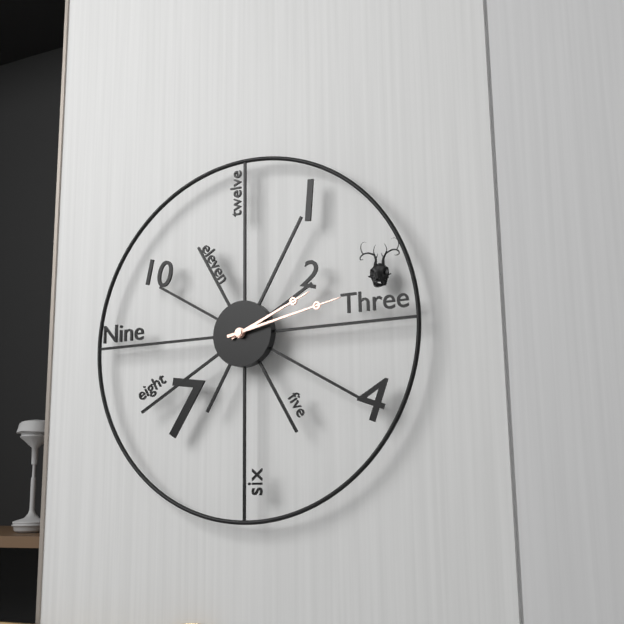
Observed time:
h=2 m=13
